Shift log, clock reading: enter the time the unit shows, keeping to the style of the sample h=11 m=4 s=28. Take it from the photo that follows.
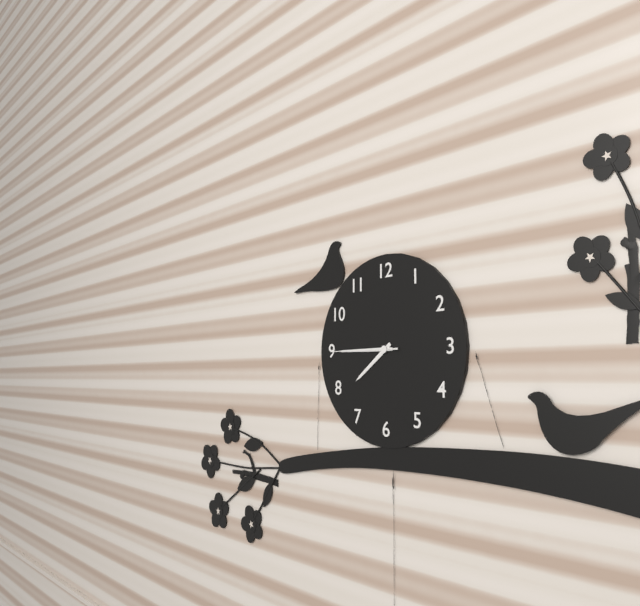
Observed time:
h=7 m=45 s=45
